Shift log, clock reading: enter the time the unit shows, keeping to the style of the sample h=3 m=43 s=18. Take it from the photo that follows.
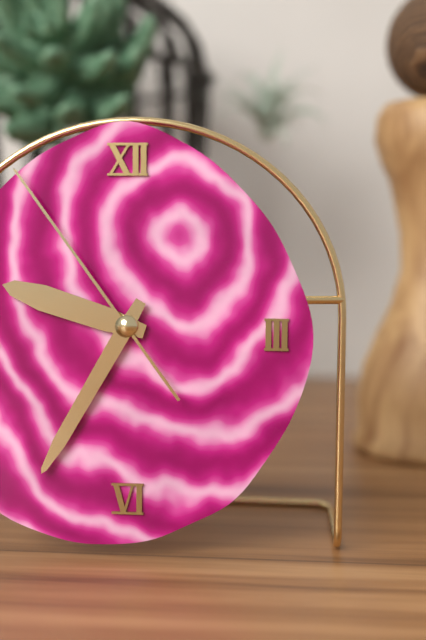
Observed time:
h=9 m=35 s=54
